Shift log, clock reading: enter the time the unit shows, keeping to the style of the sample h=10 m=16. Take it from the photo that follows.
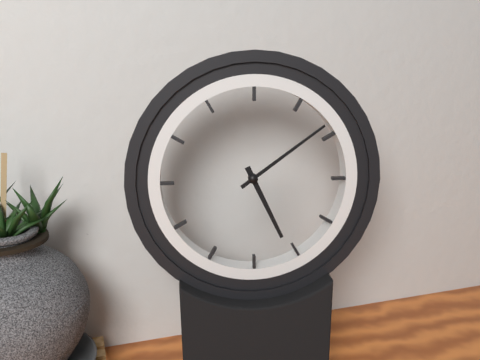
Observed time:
h=5 m=9
